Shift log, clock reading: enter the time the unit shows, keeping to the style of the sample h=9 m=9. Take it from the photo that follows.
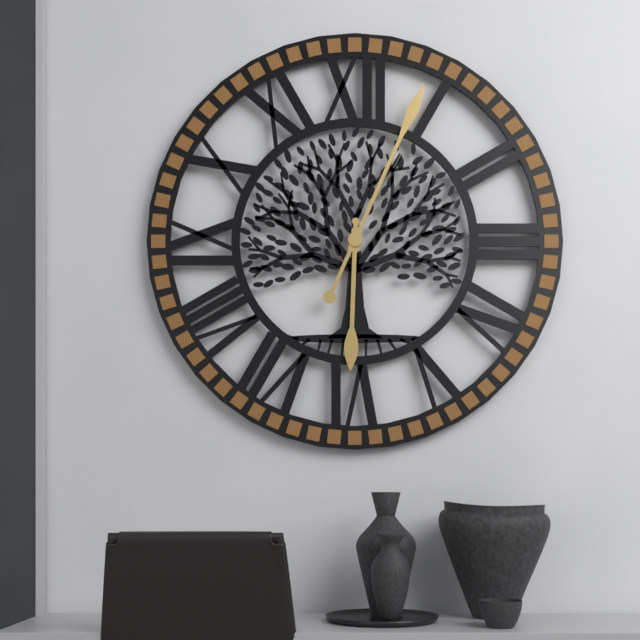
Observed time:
h=6 m=4
